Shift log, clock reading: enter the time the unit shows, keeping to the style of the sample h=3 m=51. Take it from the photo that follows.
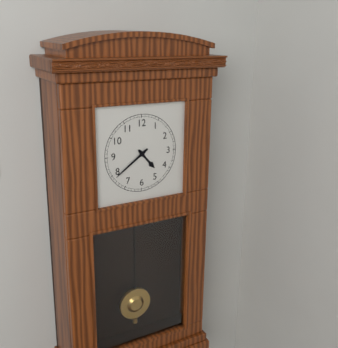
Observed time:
h=4 m=39
